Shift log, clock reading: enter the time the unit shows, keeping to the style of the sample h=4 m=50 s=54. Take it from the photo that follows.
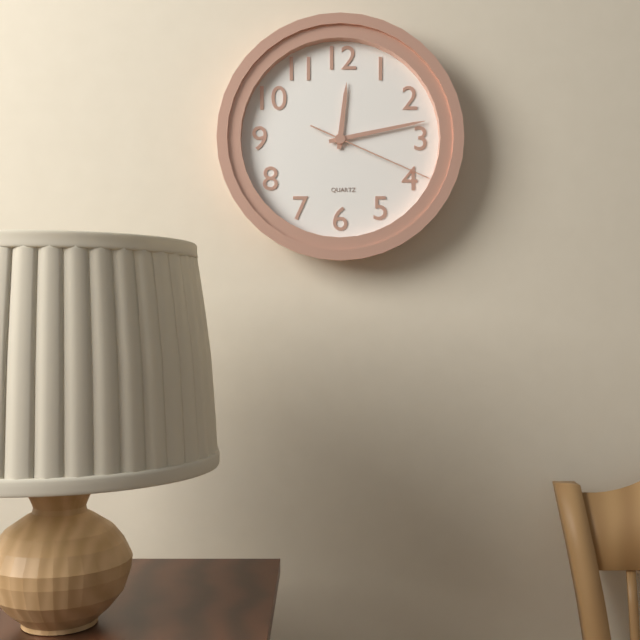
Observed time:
h=12 m=13 s=19
